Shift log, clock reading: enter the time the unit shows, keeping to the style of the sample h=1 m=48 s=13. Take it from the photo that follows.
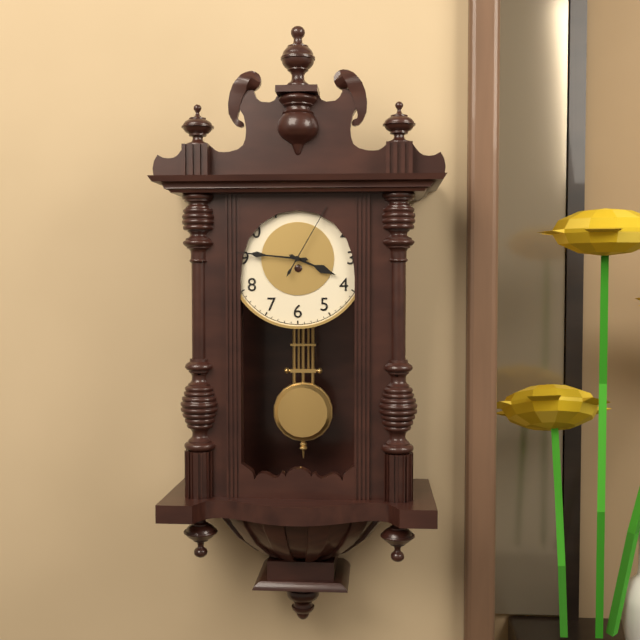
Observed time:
h=3 m=46 s=5
